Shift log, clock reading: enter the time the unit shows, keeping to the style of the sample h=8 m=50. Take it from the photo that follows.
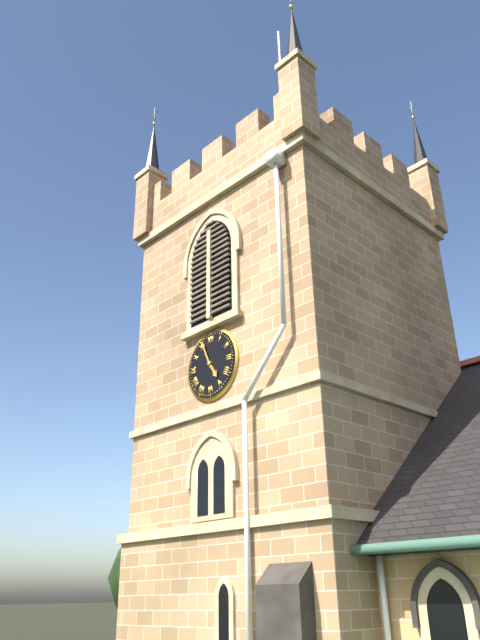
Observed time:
h=4 m=56
